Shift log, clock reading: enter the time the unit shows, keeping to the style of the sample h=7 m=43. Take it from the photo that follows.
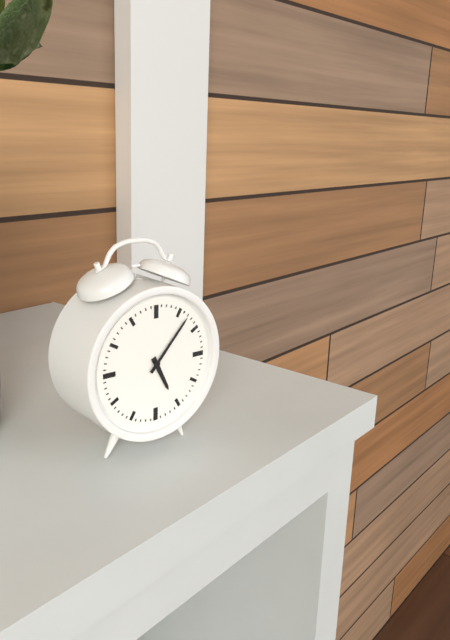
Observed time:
h=5 m=7
